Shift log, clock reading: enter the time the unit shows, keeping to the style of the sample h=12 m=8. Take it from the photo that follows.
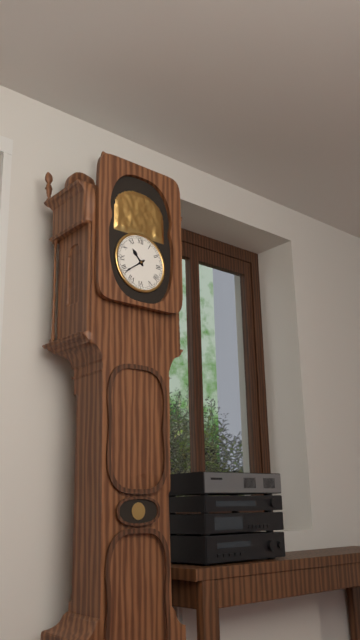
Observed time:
h=10 m=39
